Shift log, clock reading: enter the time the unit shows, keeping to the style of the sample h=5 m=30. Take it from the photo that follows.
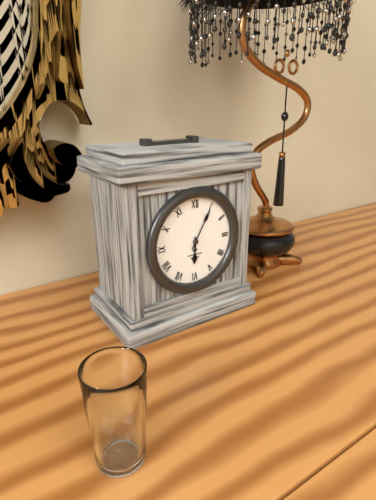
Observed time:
h=6 m=5
